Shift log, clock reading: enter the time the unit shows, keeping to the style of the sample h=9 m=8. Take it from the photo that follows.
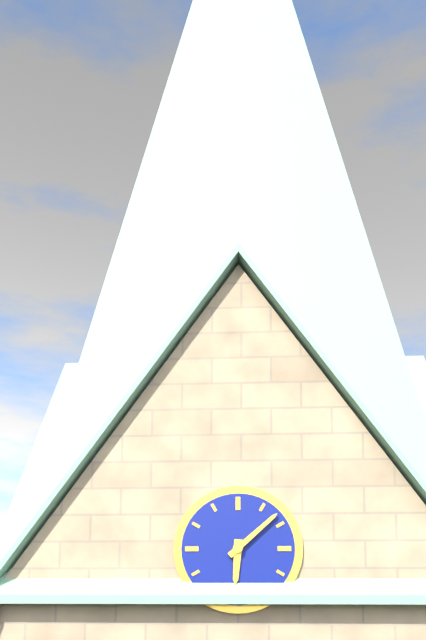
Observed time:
h=6 m=8
